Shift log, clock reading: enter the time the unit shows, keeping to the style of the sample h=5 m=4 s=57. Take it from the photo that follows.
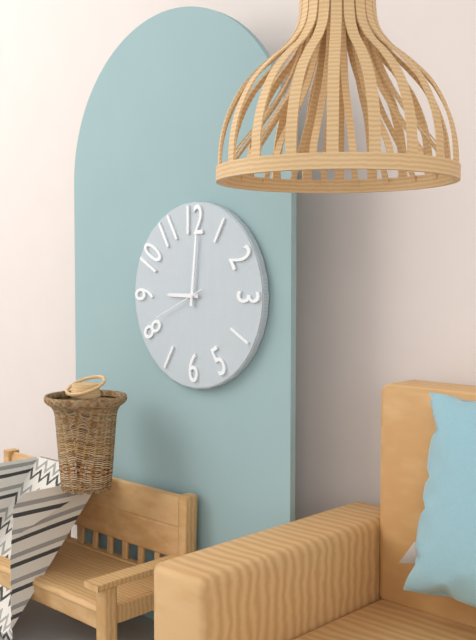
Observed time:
h=9 m=1 s=41
